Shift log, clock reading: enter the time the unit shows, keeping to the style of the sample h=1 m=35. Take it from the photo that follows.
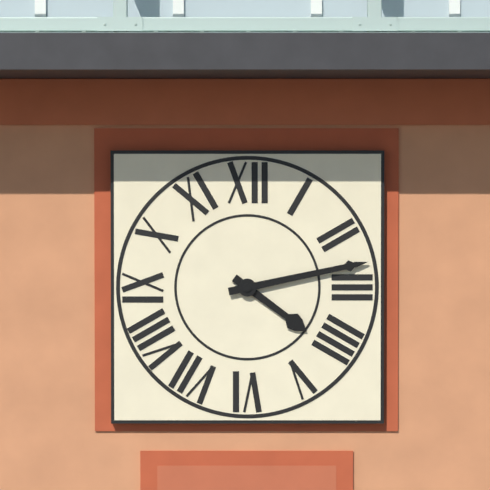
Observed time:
h=4 m=13
